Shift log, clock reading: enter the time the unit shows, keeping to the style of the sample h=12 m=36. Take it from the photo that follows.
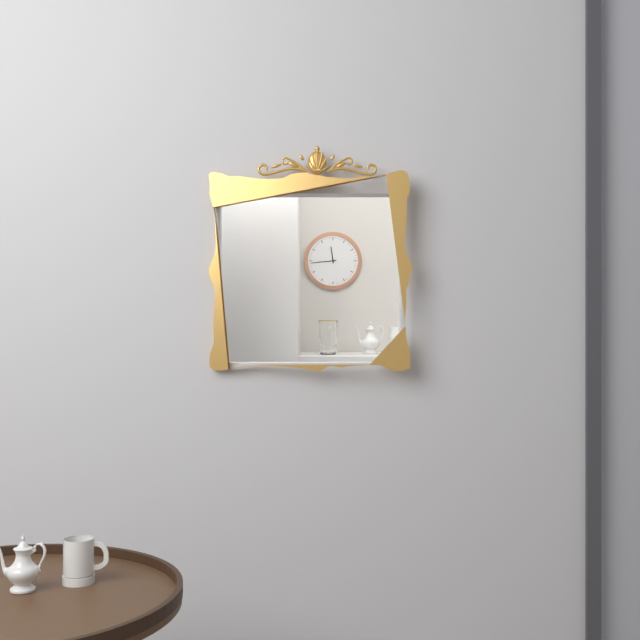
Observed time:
h=11 m=44
